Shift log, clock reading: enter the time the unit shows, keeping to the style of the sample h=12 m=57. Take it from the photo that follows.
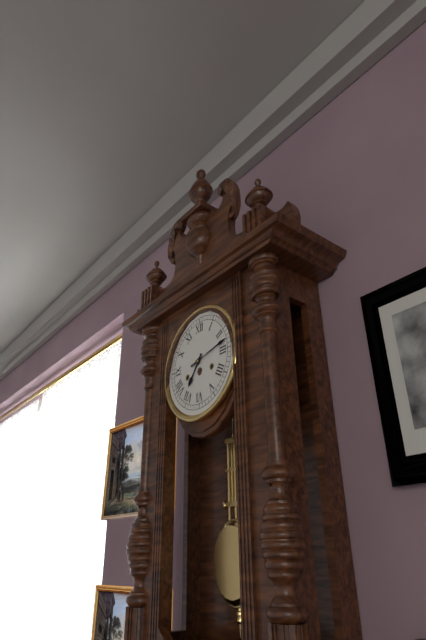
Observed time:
h=7 m=13
